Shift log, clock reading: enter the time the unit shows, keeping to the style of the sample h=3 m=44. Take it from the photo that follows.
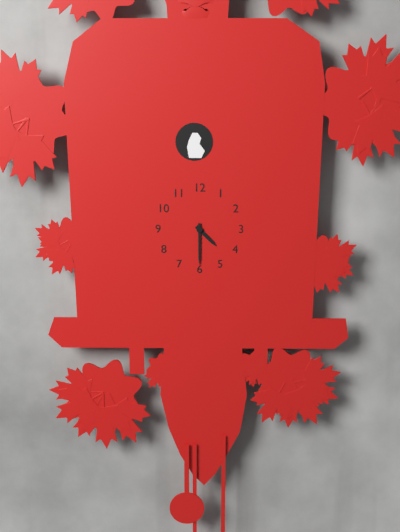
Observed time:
h=4 m=30
